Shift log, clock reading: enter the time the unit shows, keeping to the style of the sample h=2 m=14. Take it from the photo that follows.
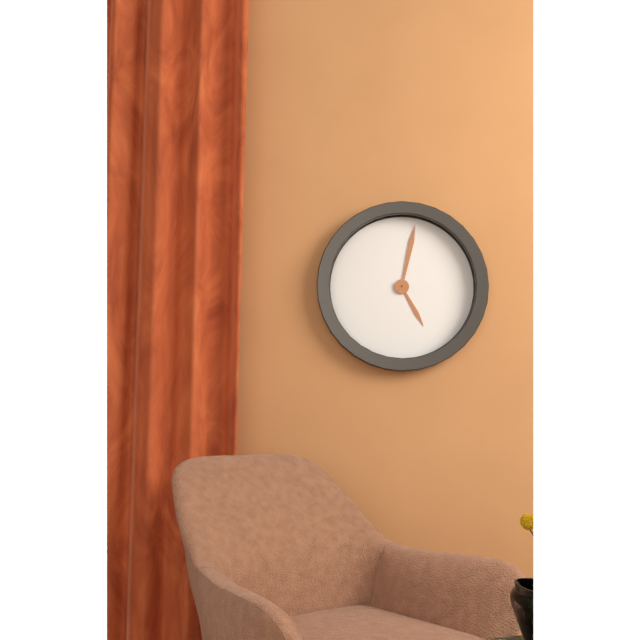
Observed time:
h=5 m=2
